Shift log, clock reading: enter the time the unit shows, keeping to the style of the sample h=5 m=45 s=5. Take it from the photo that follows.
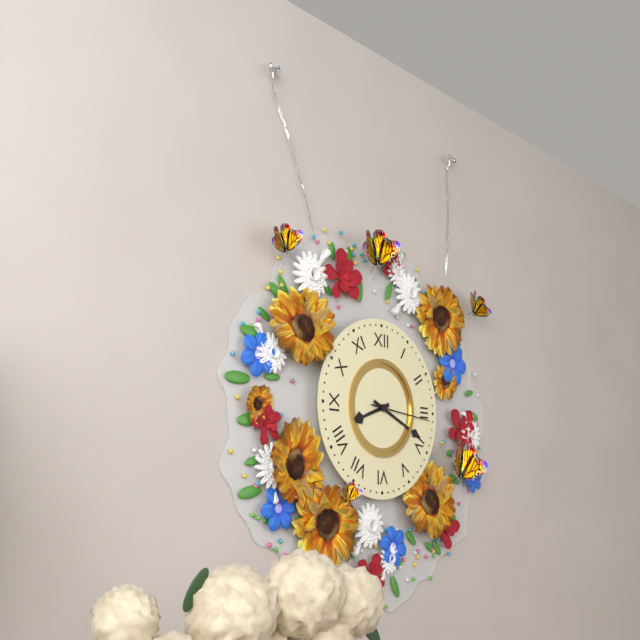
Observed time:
h=8 m=19 s=16
